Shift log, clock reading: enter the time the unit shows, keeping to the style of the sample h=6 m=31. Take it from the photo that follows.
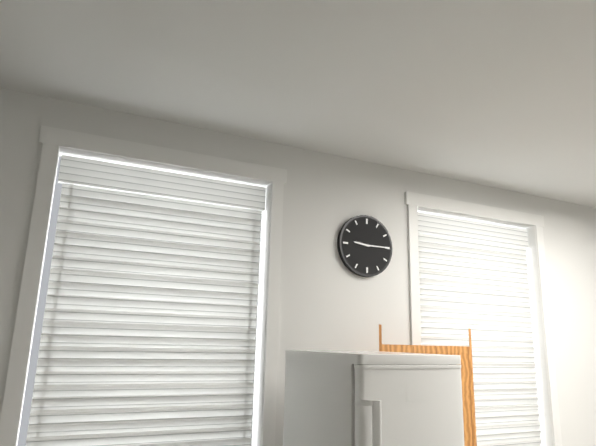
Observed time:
h=9 m=15
